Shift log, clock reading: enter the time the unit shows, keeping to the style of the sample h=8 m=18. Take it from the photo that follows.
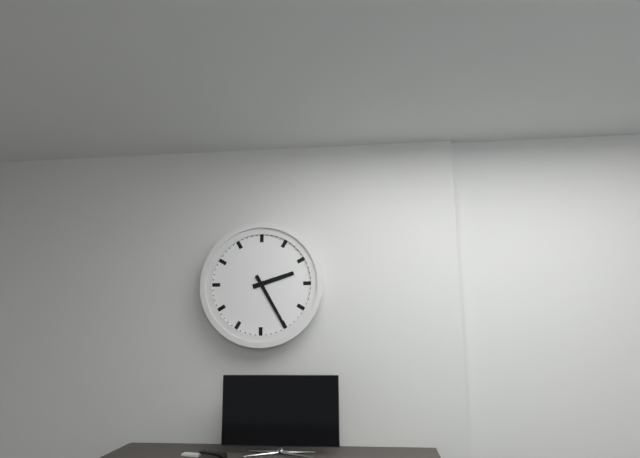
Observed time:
h=2 m=25
